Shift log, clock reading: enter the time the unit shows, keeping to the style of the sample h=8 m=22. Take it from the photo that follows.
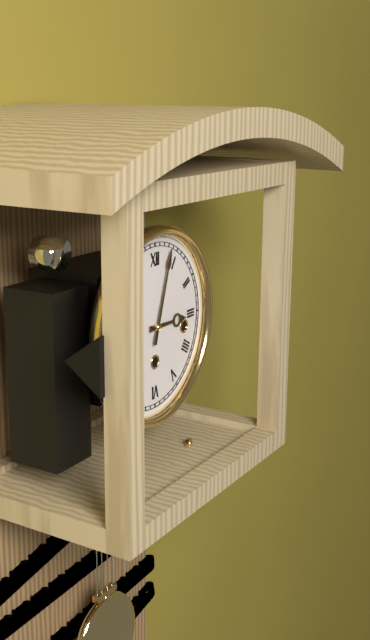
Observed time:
h=3 m=3
